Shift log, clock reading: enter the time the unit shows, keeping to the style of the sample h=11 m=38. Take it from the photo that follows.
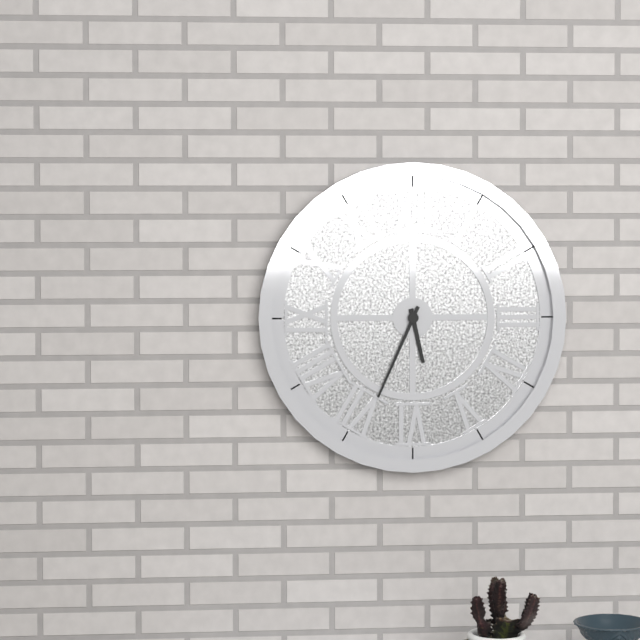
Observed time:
h=5 m=34
